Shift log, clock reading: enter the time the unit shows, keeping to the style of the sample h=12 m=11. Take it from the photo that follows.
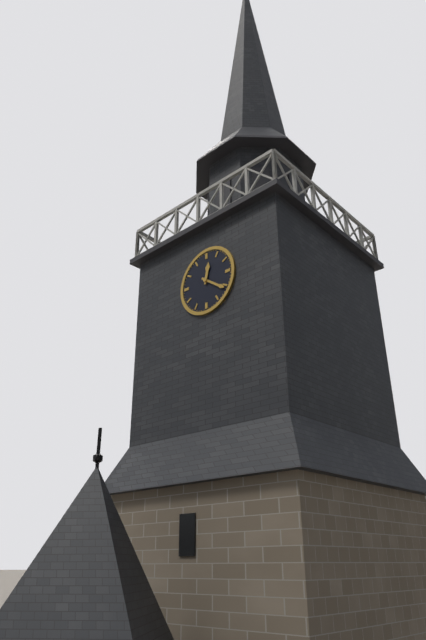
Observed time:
h=12 m=21
